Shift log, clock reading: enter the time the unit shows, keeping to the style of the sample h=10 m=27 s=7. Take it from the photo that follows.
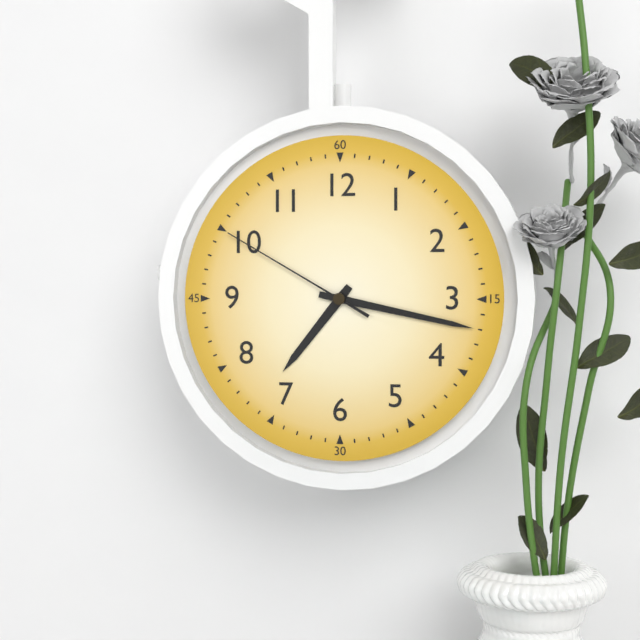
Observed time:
h=7 m=17 s=50
